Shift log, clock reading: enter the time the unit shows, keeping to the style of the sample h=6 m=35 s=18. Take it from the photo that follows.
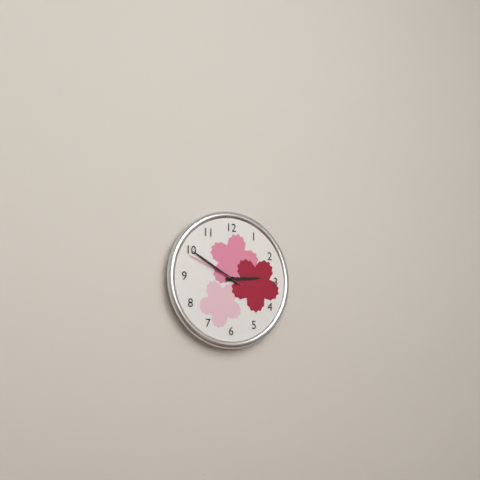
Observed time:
h=2 m=50 s=49
